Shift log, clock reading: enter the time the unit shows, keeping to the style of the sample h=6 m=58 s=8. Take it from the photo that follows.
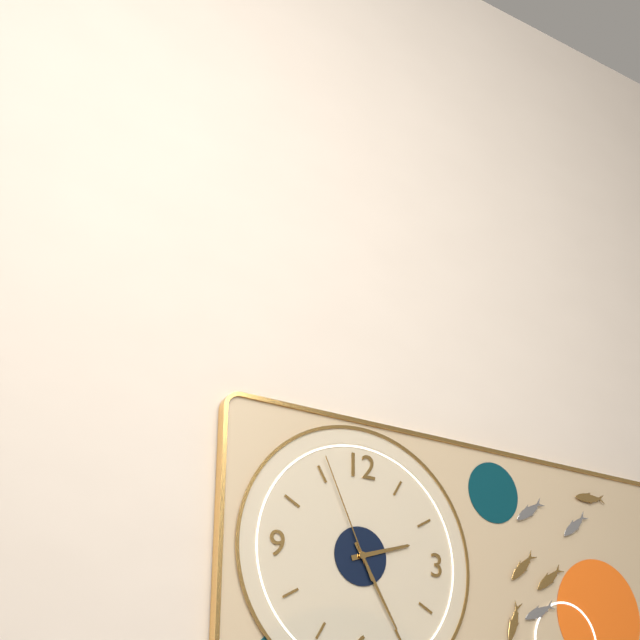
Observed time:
h=2 m=25 s=56
